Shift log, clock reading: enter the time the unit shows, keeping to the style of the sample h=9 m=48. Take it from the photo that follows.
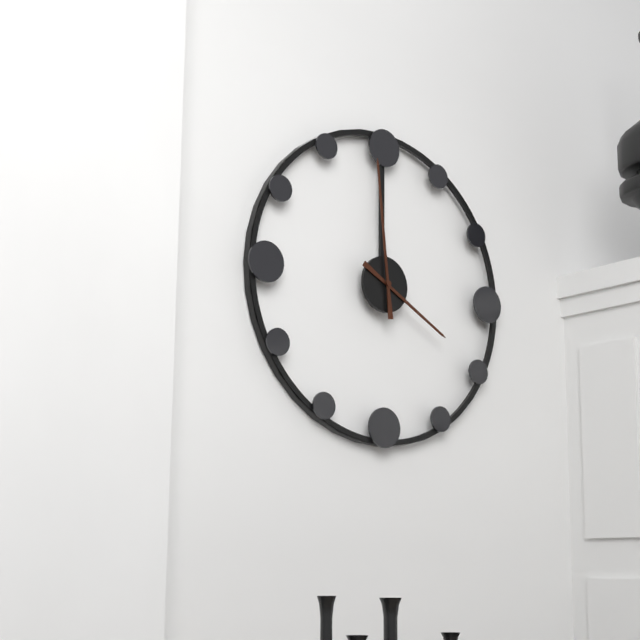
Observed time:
h=3 m=59
